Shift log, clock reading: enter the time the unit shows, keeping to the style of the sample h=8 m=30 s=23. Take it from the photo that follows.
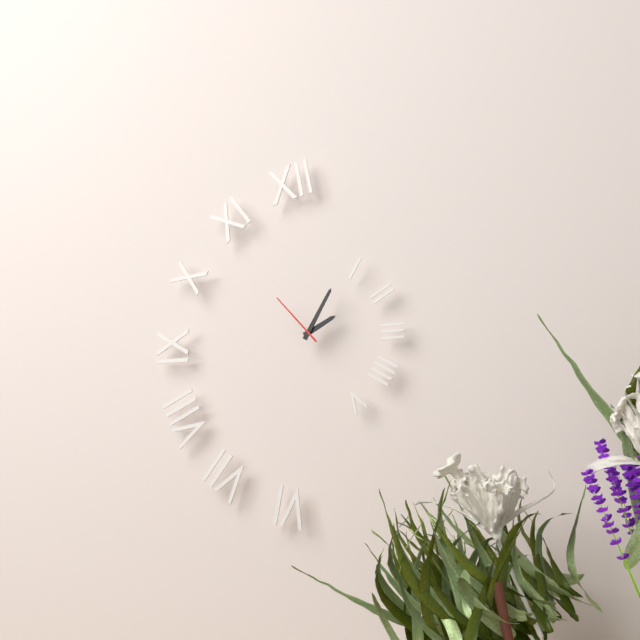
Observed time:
h=2 m=5 s=53
